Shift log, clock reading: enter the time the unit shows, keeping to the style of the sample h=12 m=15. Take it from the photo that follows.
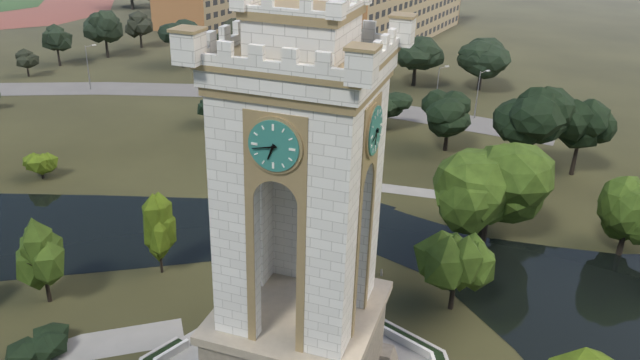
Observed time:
h=6 m=43
